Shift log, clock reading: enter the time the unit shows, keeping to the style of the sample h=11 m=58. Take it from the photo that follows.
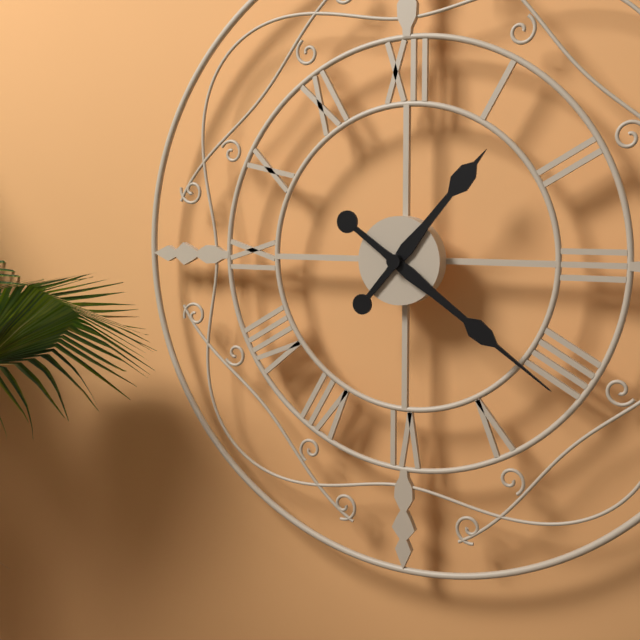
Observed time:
h=1 m=21
